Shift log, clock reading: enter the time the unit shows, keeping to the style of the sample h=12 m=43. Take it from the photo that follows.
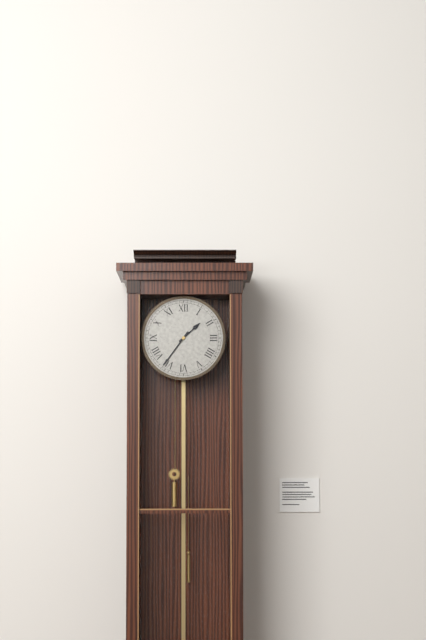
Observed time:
h=1 m=36
